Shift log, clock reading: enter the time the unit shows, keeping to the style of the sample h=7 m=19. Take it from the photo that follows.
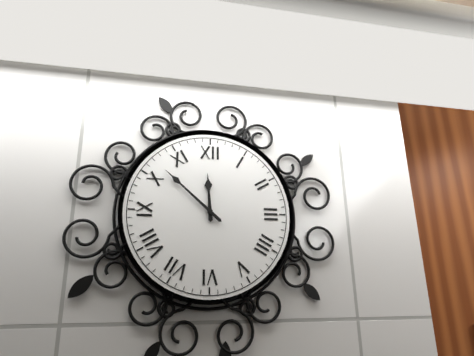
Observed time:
h=11 m=52
